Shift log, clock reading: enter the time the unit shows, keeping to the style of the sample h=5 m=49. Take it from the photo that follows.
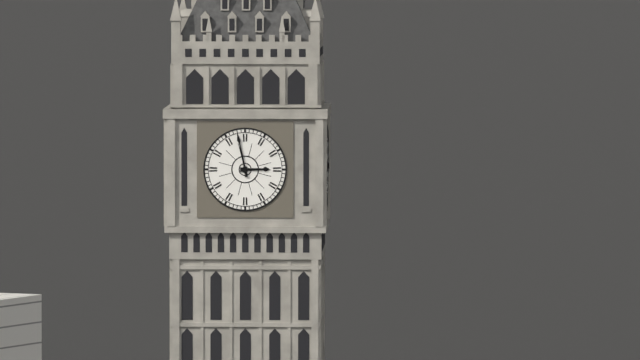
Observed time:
h=2 m=58
